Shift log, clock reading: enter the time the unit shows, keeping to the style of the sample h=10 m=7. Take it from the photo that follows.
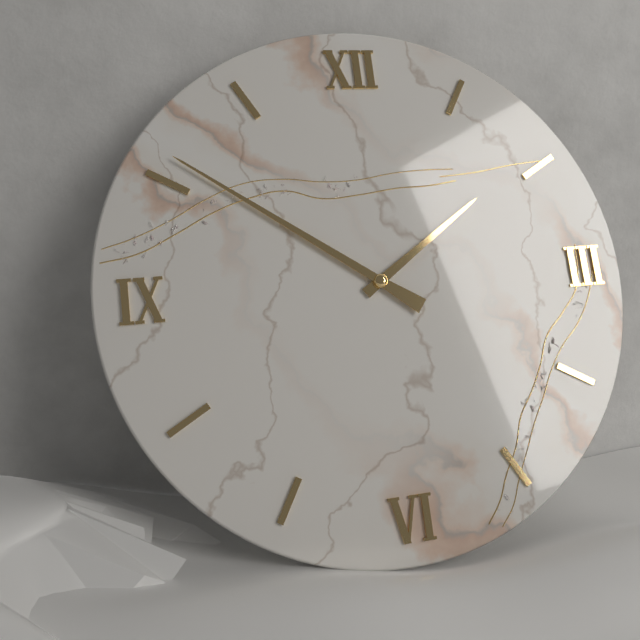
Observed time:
h=1 m=51
